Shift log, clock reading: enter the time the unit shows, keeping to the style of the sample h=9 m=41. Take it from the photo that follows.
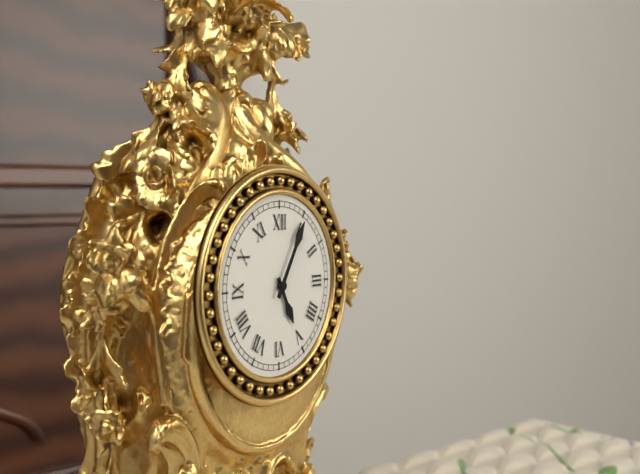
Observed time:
h=5 m=5
